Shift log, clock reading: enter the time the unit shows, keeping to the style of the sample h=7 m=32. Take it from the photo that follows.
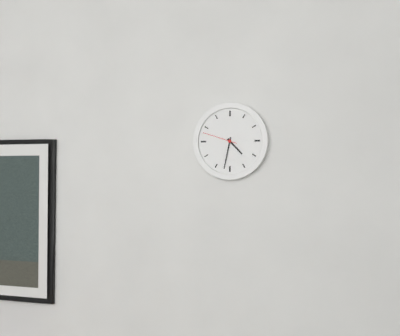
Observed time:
h=4 m=32
